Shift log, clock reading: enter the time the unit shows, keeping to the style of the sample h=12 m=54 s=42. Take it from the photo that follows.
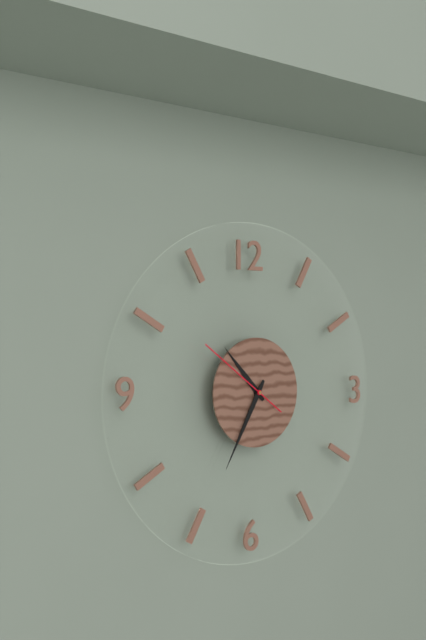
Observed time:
h=10 m=35 s=51
